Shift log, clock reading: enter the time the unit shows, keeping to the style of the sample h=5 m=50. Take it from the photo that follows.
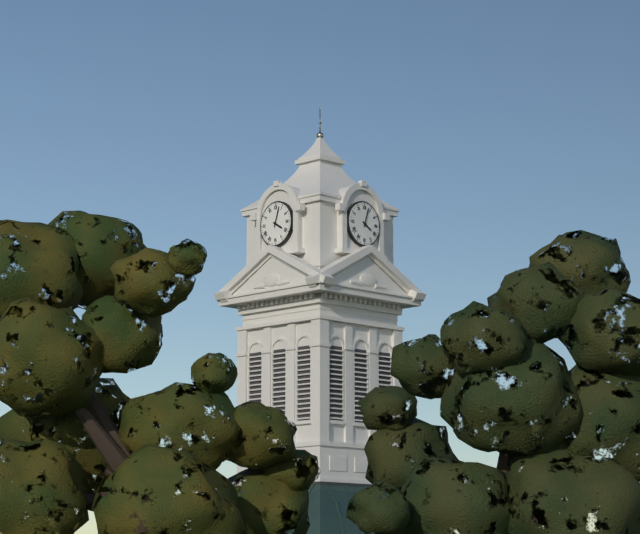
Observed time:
h=4 m=3
